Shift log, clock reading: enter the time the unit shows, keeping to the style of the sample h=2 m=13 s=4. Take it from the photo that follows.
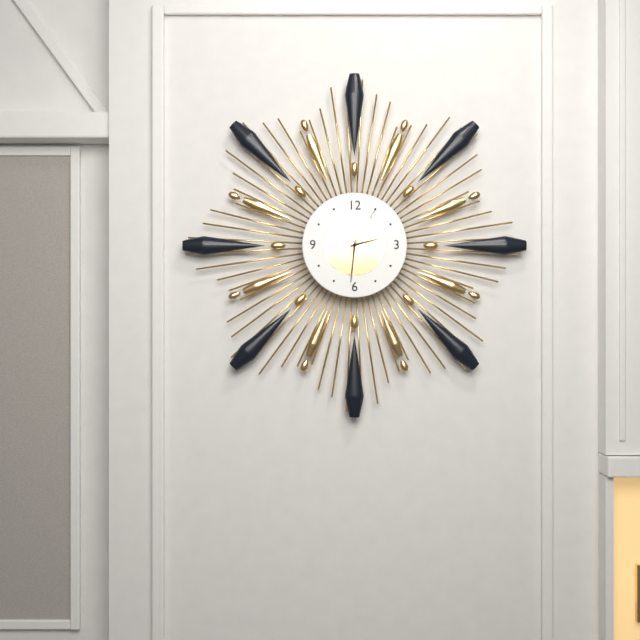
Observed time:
h=2 m=31 s=5
